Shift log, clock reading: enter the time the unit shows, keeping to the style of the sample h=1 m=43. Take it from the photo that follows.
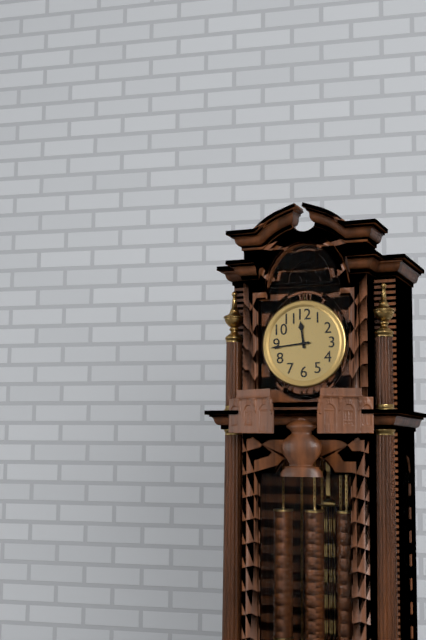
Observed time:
h=11 m=44
